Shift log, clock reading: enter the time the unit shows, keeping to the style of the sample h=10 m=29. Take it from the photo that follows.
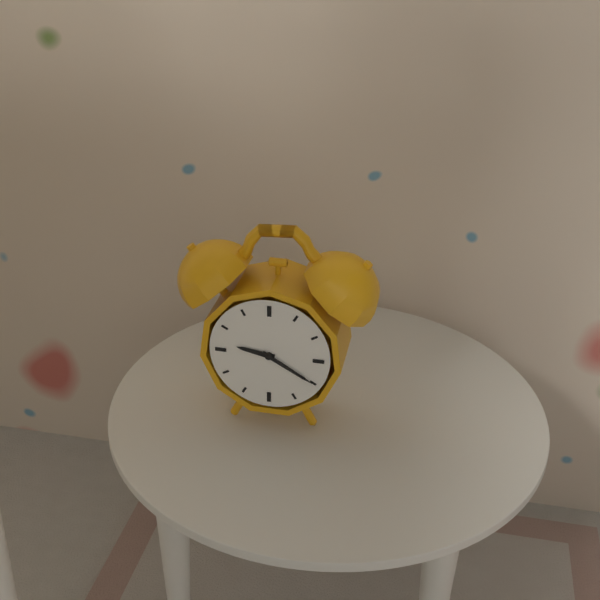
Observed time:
h=9 m=20
